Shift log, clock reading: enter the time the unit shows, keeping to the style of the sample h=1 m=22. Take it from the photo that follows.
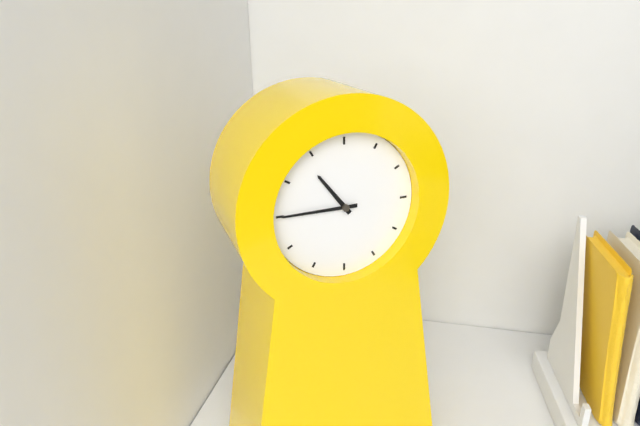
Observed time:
h=10 m=45
